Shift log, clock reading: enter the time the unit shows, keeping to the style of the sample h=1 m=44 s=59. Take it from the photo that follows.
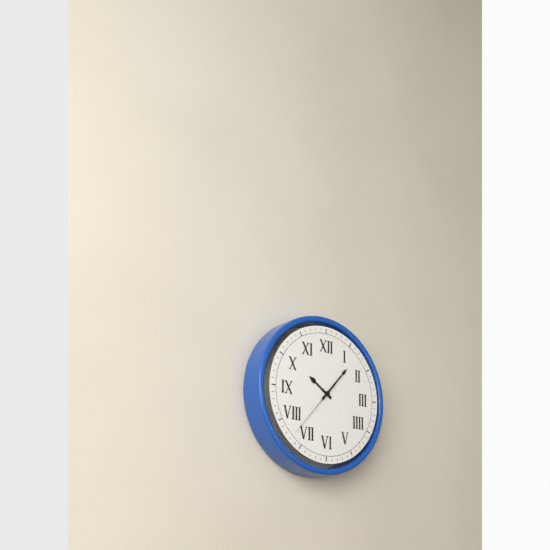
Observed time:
h=10 m=7 s=37
